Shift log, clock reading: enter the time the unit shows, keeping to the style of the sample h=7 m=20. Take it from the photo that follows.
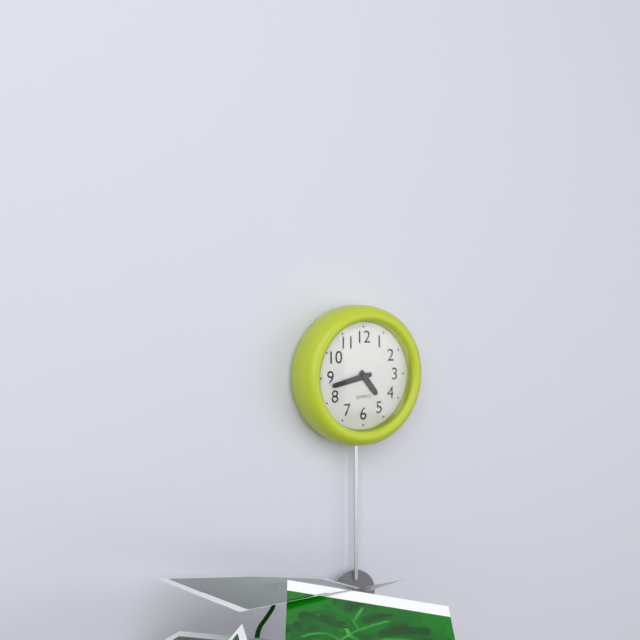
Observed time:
h=4 m=43
